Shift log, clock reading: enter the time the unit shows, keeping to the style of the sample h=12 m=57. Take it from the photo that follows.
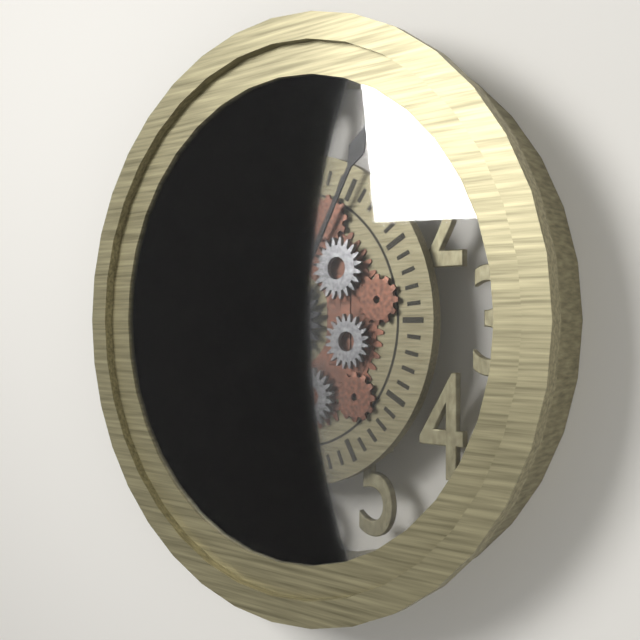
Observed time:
h=8 m=5
